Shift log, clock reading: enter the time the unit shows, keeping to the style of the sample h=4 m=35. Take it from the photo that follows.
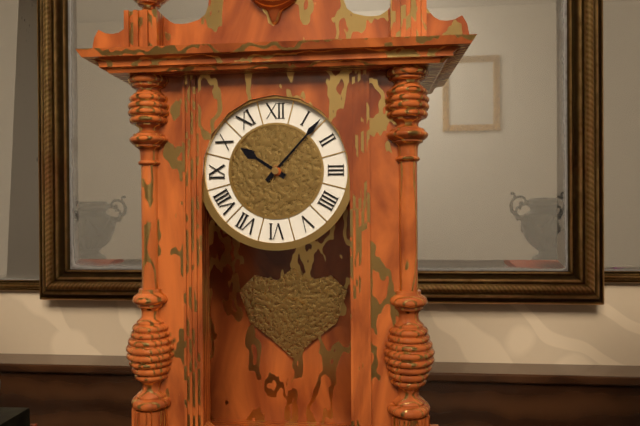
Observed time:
h=10 m=7
